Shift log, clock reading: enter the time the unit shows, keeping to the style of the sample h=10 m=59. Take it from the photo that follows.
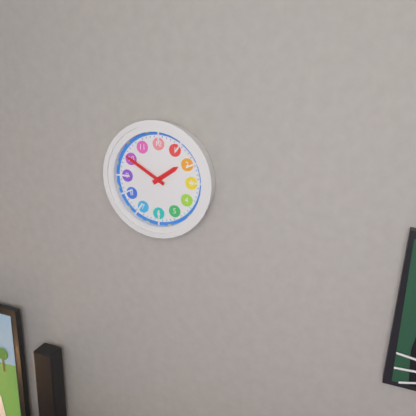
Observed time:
h=1 m=50
